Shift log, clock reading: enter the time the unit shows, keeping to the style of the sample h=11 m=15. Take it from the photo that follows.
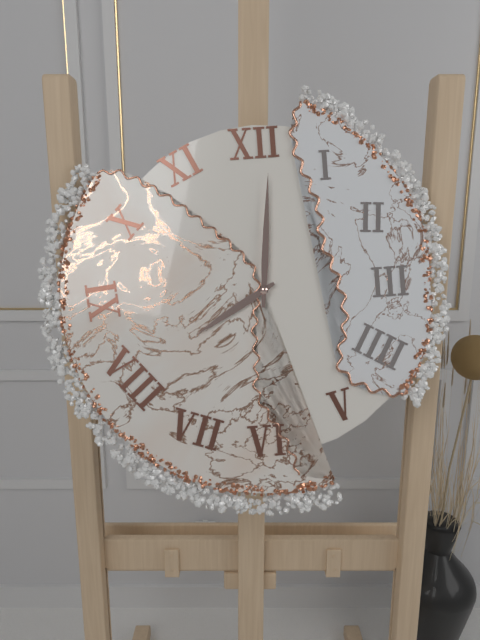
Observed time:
h=8 m=1
